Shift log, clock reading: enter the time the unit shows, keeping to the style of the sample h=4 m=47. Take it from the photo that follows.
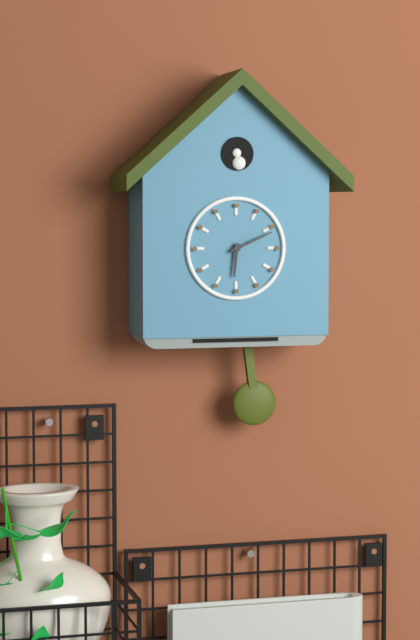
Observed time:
h=6 m=11
